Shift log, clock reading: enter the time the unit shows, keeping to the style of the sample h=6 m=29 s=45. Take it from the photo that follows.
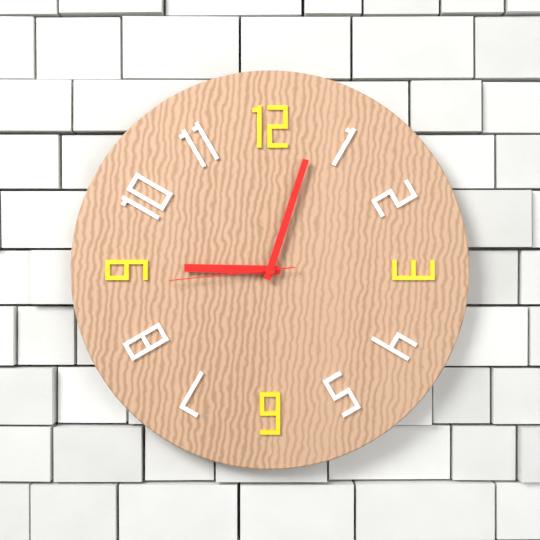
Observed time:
h=9 m=3 s=44
